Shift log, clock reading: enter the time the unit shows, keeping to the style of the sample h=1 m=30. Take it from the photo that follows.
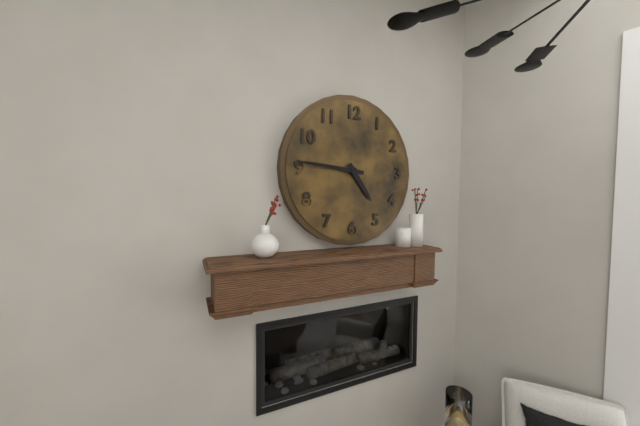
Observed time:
h=4 m=46
